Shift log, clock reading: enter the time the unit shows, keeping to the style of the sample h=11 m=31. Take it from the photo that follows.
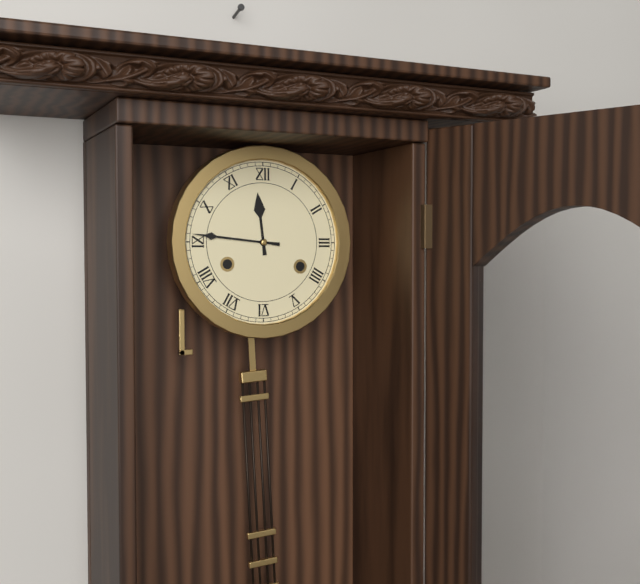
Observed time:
h=11 m=46
